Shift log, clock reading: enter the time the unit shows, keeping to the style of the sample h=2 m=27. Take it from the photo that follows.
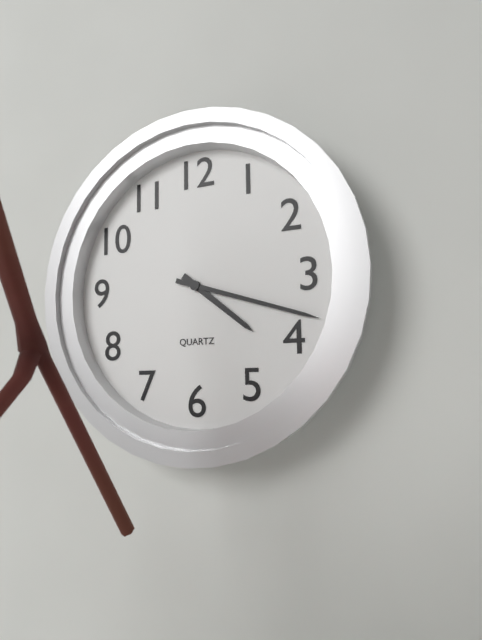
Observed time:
h=4 m=18
